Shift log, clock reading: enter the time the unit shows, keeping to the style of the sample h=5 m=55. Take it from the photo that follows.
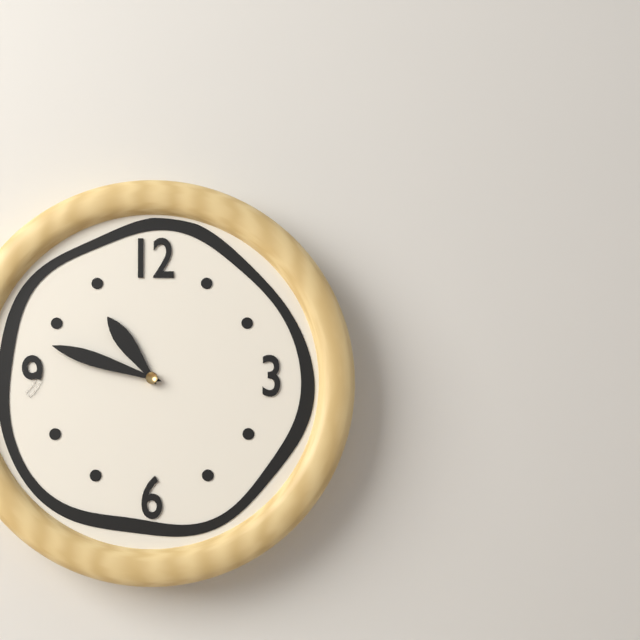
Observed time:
h=10 m=48
